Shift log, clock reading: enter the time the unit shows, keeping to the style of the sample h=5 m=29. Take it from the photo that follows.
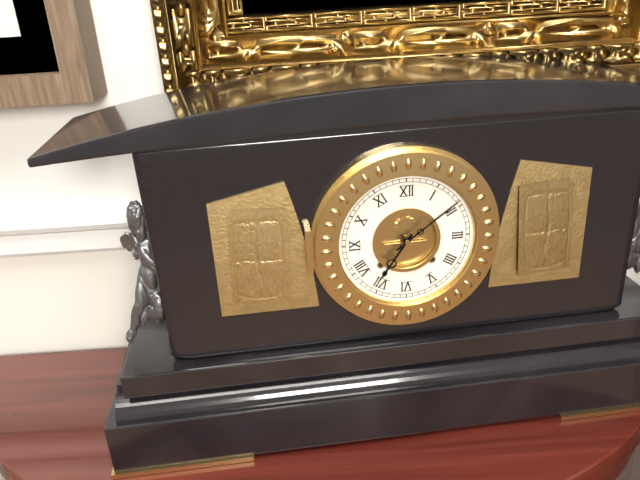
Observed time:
h=7 m=9
